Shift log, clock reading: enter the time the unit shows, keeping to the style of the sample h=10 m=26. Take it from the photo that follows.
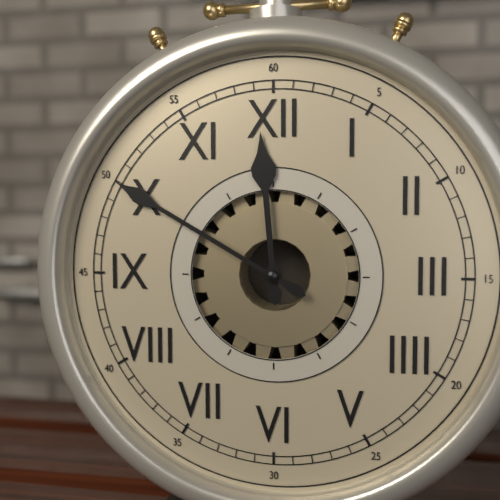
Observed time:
h=11 m=50
